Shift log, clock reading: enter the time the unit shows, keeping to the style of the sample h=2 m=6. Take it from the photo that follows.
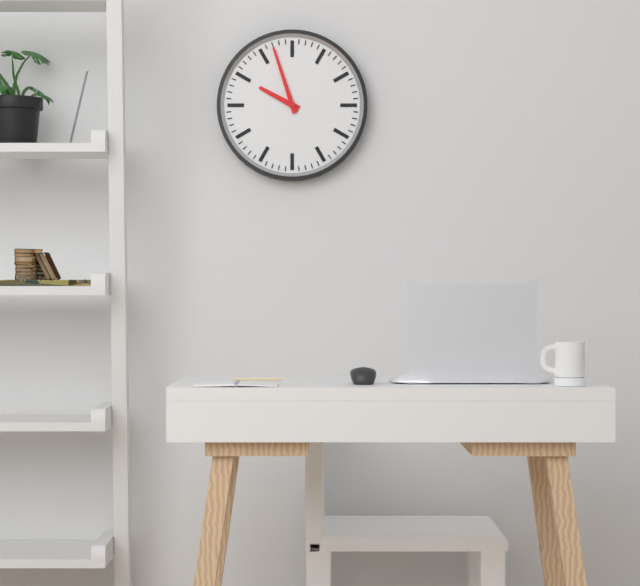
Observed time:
h=9 m=57
